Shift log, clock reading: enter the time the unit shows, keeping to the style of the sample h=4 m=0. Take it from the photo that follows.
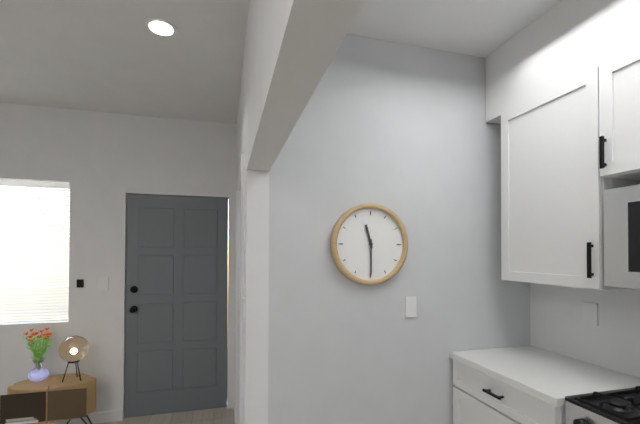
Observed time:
h=11 m=30
